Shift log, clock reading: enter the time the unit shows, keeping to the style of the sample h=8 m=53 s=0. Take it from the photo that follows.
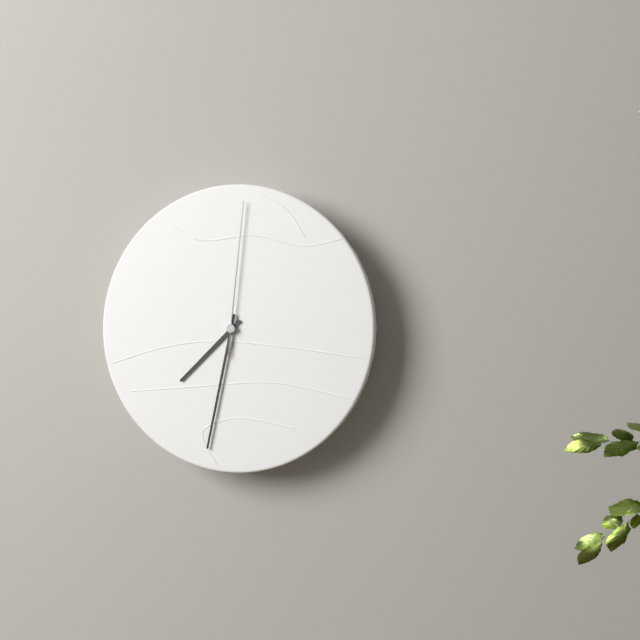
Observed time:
h=7 m=32 s=1
